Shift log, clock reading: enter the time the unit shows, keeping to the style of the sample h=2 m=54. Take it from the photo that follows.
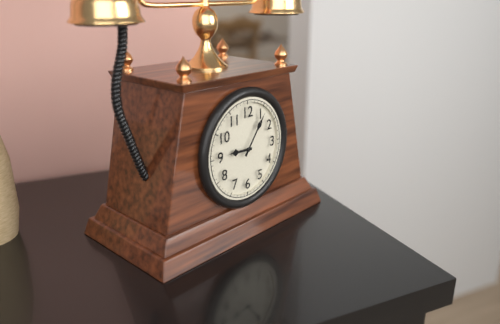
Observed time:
h=9 m=6
